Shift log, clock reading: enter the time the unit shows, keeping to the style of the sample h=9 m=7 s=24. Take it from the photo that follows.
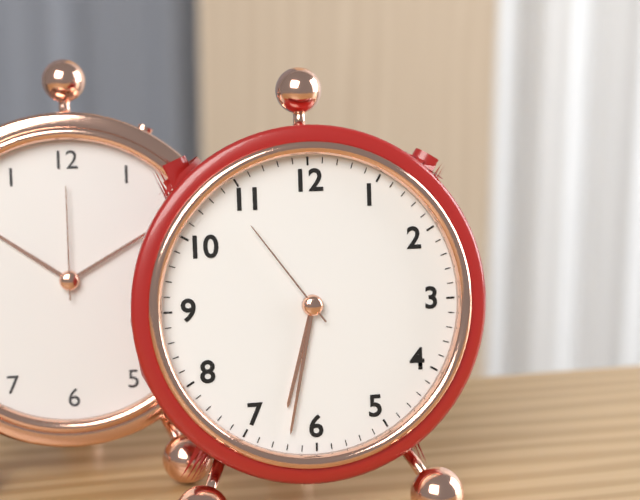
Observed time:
h=6 m=32 s=54
